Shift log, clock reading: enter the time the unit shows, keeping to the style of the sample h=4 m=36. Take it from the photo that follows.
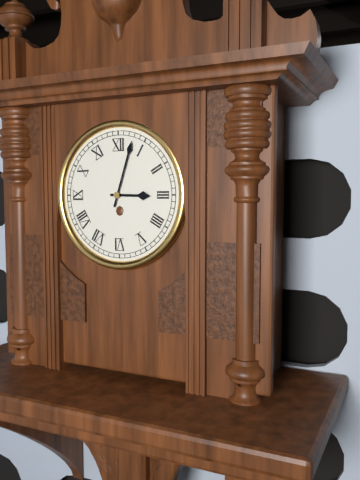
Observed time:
h=3 m=3
